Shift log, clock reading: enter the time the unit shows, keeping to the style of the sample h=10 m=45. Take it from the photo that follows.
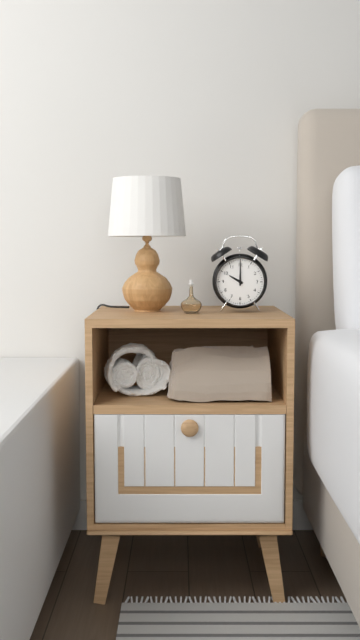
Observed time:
h=10 m=0
